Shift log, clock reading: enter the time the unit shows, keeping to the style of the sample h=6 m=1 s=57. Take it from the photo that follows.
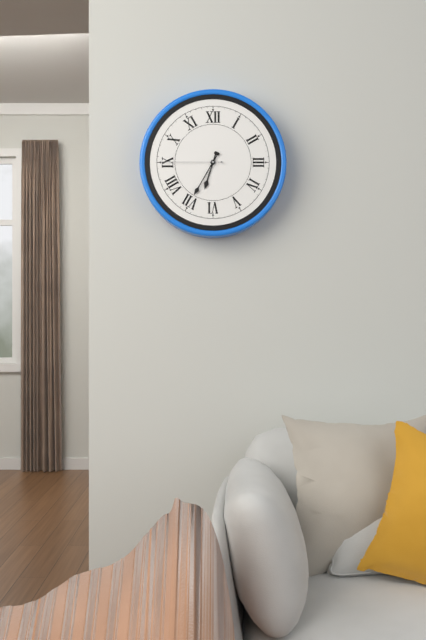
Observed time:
h=6 m=35 s=45
